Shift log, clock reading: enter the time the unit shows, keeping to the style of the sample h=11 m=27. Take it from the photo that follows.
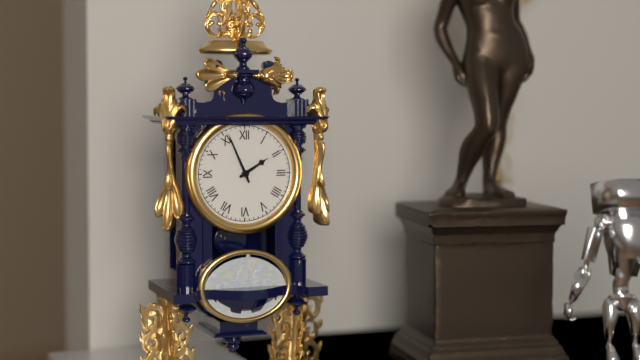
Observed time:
h=1 m=56
